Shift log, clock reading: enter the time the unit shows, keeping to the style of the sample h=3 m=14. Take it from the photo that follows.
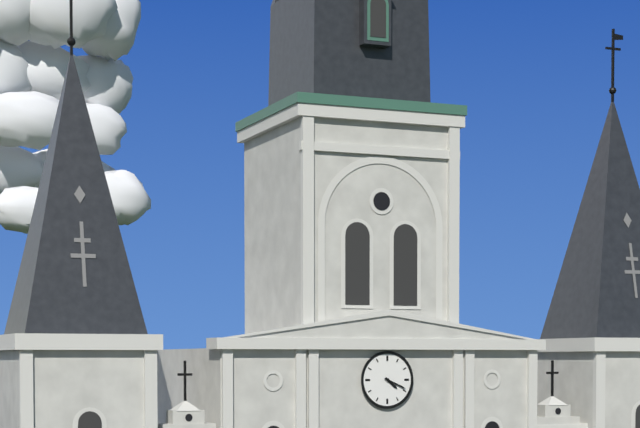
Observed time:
h=4 m=19
